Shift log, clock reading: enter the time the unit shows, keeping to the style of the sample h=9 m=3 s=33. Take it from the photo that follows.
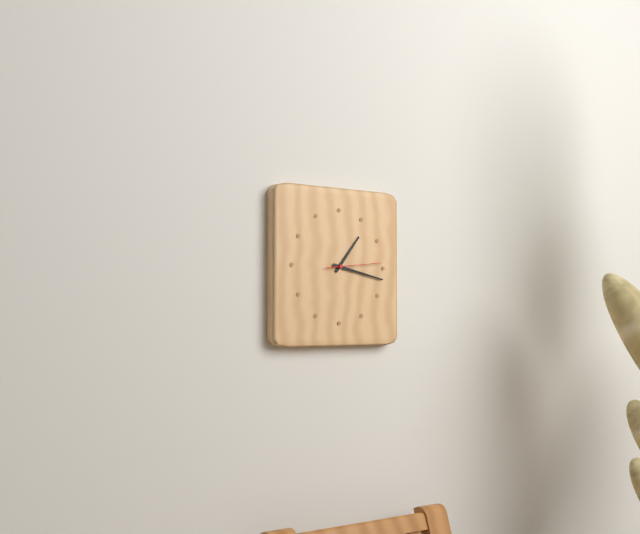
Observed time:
h=1 m=17 s=14
